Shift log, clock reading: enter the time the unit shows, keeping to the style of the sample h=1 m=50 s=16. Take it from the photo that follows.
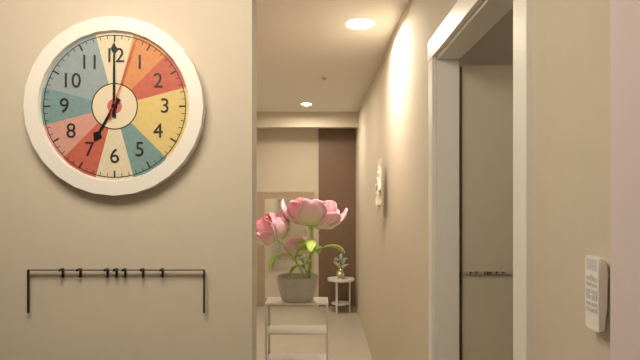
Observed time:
h=7 m=0 s=3
